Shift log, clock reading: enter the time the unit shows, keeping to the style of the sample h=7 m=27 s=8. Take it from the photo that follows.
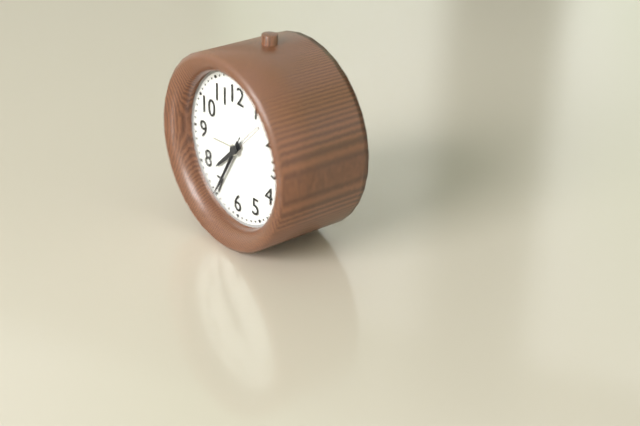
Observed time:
h=7 m=35 s=35
